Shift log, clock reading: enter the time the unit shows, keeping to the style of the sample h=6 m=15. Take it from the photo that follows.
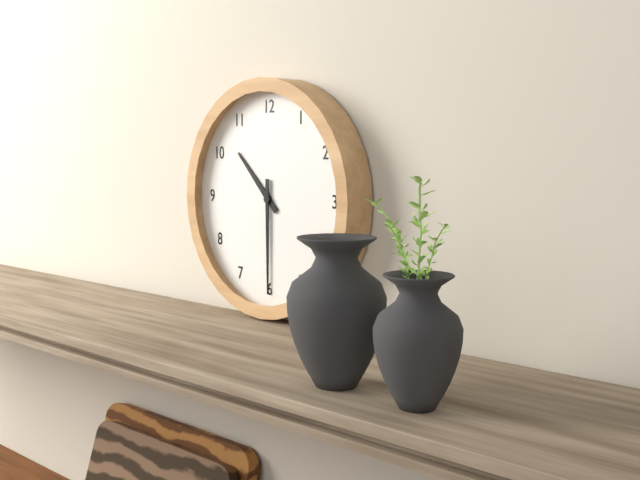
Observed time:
h=10 m=30
